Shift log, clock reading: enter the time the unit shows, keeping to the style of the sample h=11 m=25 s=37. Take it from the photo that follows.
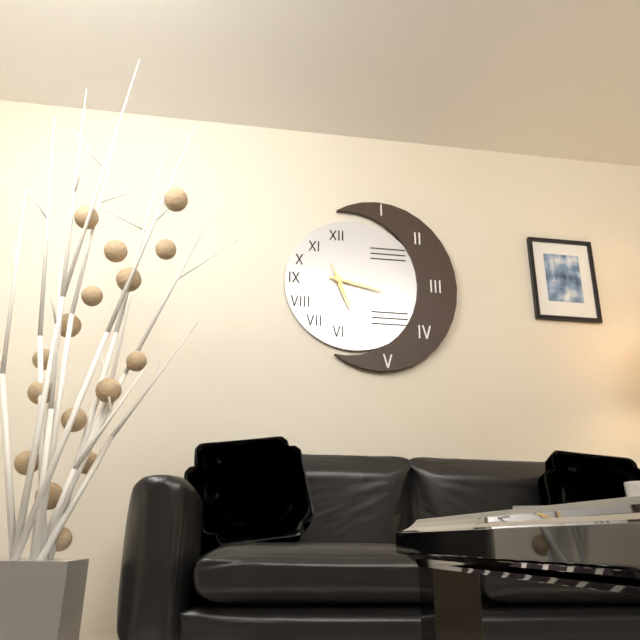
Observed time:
h=5 m=17 s=26
